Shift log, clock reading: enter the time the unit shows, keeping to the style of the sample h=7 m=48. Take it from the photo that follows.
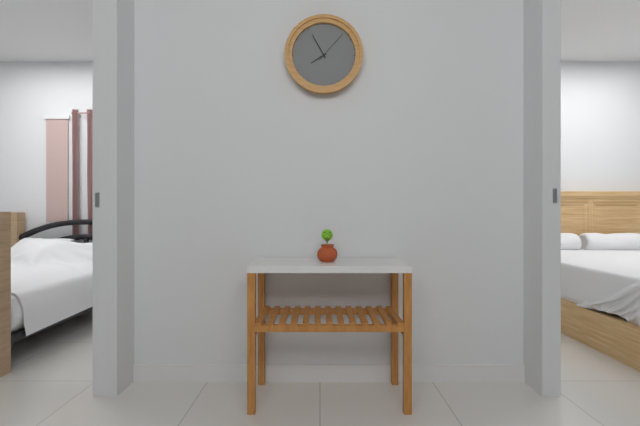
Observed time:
h=7 m=55
